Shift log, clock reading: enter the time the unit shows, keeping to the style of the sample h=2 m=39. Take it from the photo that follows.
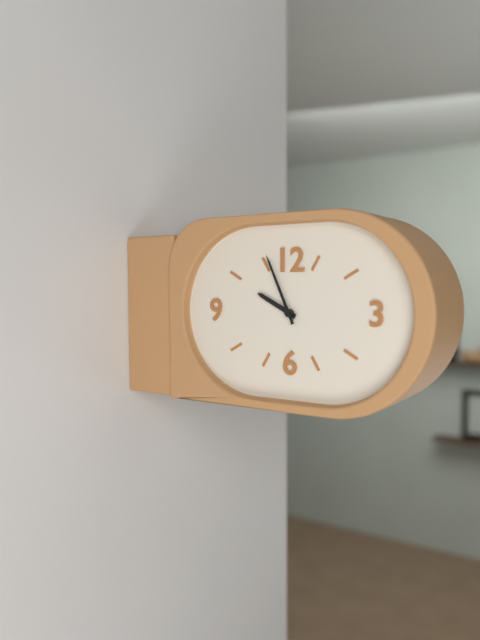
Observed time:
h=9 m=56
